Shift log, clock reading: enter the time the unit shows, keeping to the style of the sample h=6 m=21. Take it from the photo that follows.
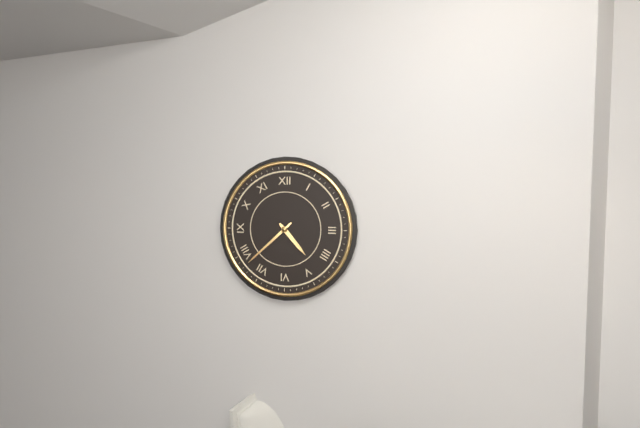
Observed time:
h=4 m=38
